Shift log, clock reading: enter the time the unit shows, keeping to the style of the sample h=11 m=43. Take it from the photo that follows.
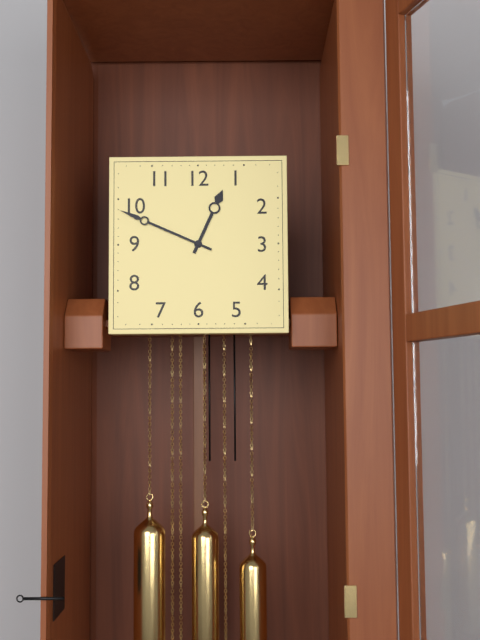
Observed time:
h=12 m=49
